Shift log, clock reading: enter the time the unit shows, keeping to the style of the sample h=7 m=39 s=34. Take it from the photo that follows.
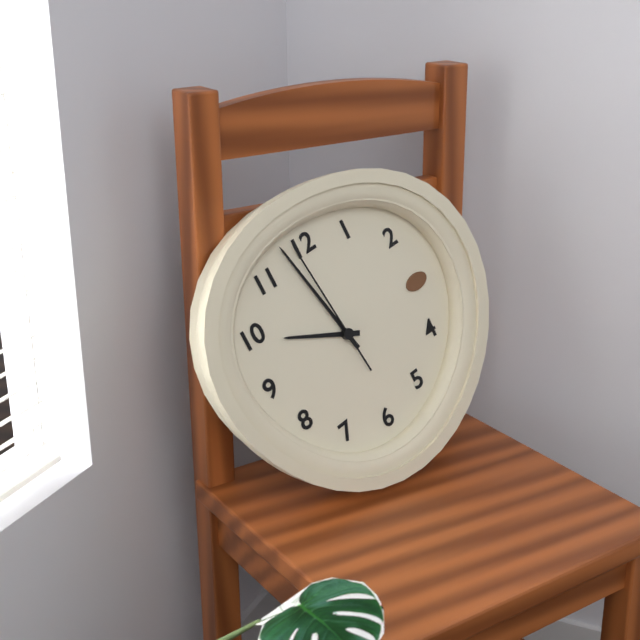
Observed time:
h=9 m=58 s=59
